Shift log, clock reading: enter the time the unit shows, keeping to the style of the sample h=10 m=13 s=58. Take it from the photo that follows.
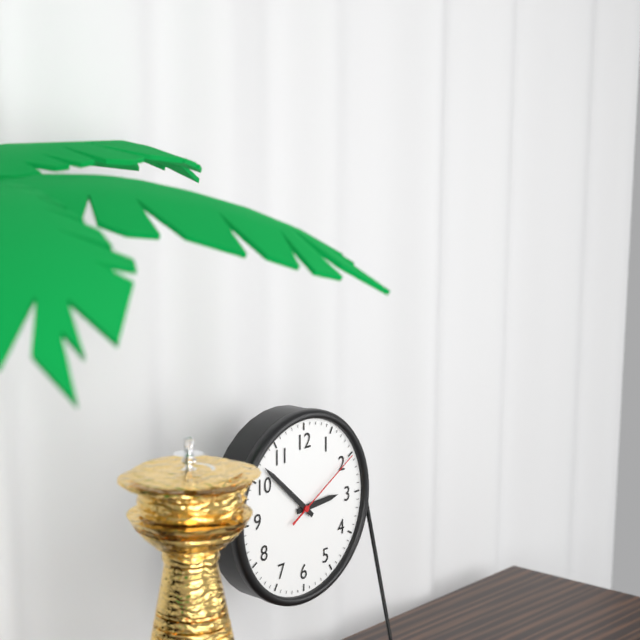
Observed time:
h=2 m=52 s=10
